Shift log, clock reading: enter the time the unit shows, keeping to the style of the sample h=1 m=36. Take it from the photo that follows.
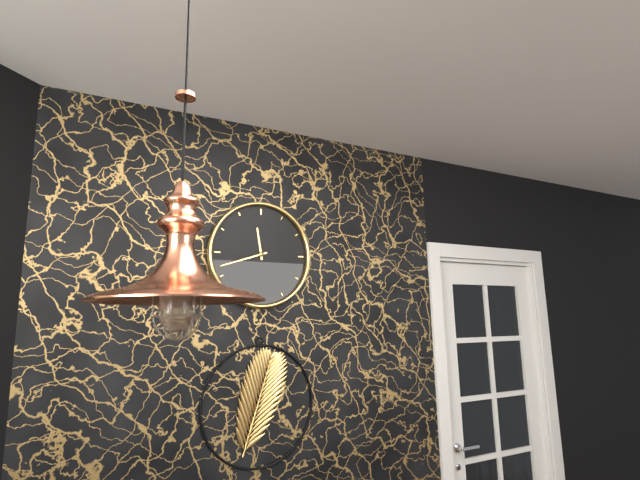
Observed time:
h=11 m=42
